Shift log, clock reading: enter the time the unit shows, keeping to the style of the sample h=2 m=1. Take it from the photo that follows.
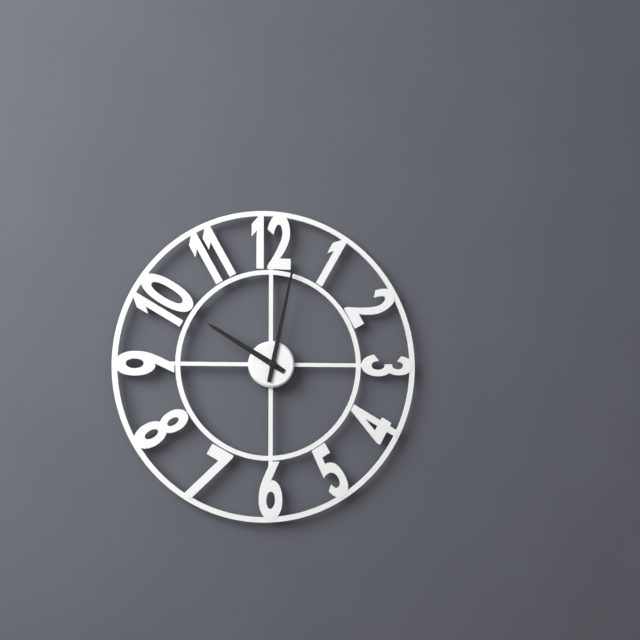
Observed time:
h=10 m=2
